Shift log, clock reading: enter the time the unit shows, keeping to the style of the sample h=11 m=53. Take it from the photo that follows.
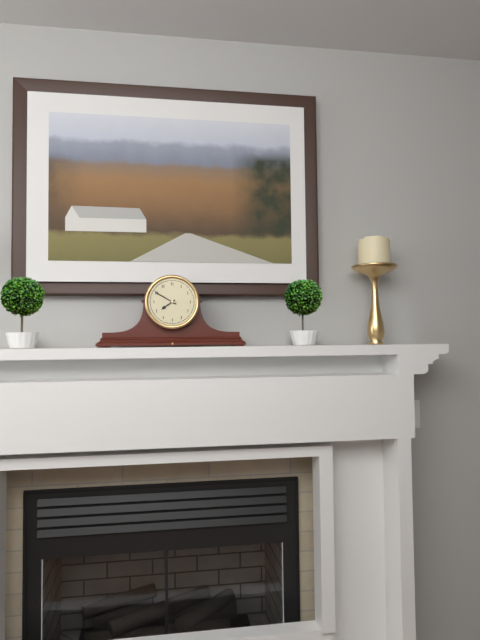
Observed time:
h=7 m=50
